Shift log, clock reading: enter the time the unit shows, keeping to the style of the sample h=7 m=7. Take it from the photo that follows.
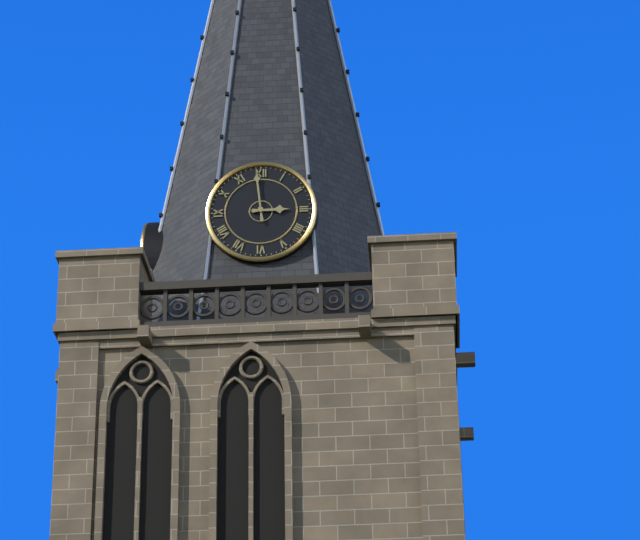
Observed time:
h=2 m=59
